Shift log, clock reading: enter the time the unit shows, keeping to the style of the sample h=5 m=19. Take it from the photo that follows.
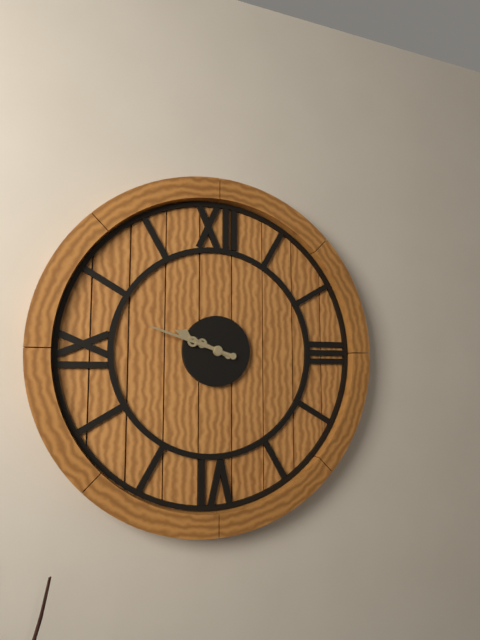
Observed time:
h=9 m=48
